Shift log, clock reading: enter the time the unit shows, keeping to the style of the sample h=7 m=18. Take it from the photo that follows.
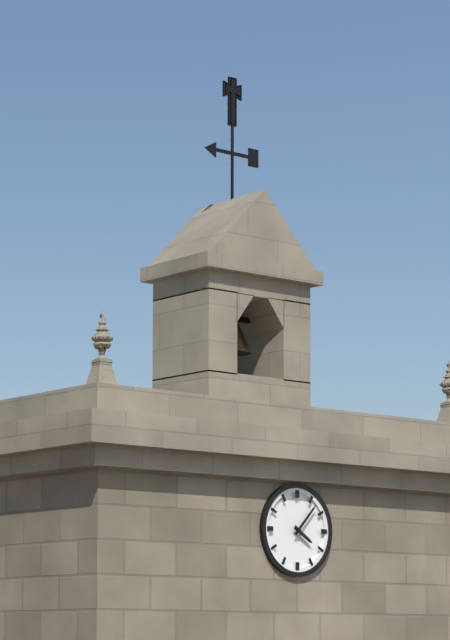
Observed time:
h=4 m=7
